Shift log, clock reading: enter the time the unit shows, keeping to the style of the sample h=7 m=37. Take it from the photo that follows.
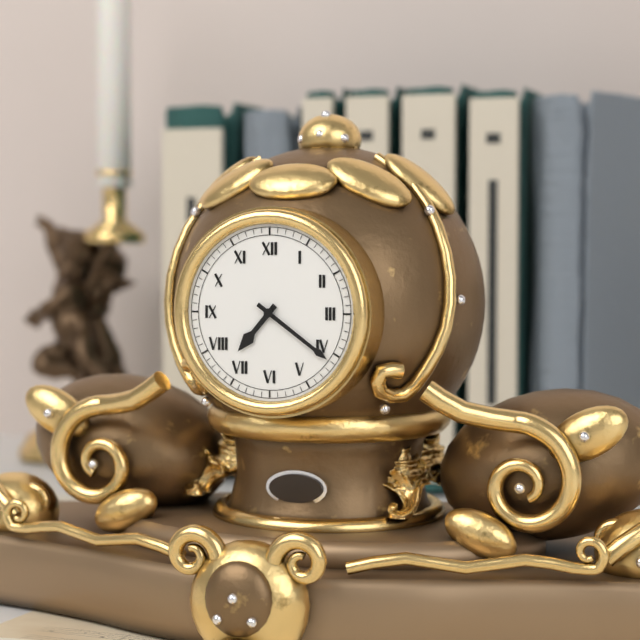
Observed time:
h=7 m=21
